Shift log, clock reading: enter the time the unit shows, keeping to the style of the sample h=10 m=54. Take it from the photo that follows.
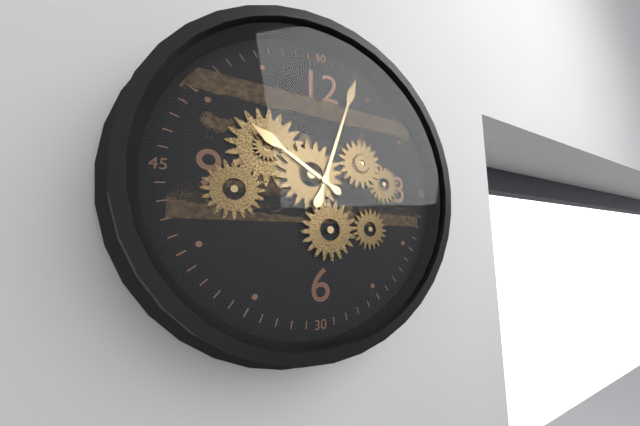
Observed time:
h=10 m=3
